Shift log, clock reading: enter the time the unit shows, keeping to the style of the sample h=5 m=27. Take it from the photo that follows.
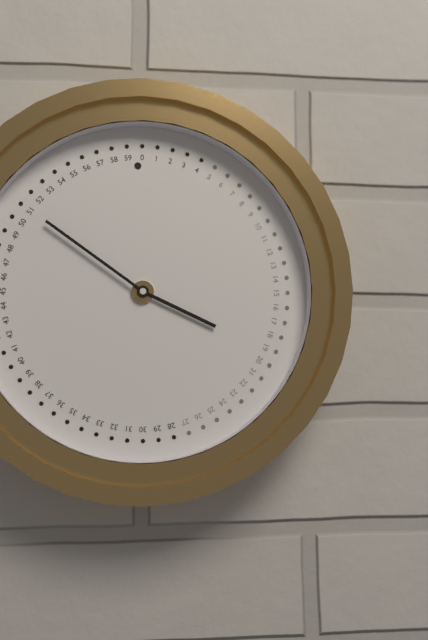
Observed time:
h=3 m=51
